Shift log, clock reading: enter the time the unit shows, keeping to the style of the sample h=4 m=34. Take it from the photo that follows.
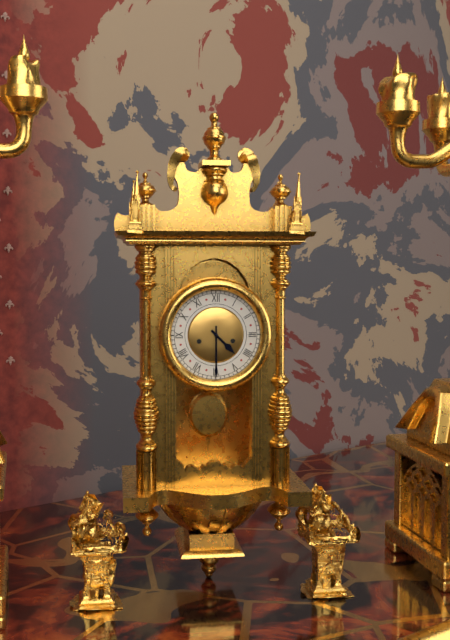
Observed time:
h=4 m=30
